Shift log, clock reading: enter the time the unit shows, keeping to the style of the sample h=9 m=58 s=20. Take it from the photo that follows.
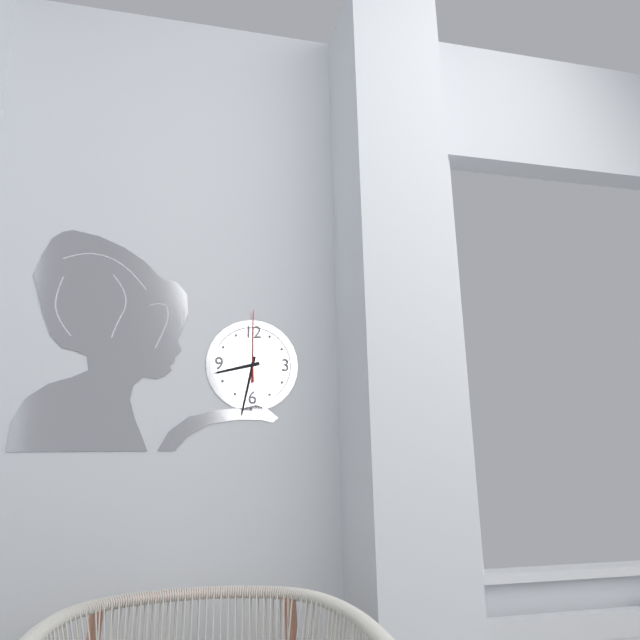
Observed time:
h=8 m=32 s=0
